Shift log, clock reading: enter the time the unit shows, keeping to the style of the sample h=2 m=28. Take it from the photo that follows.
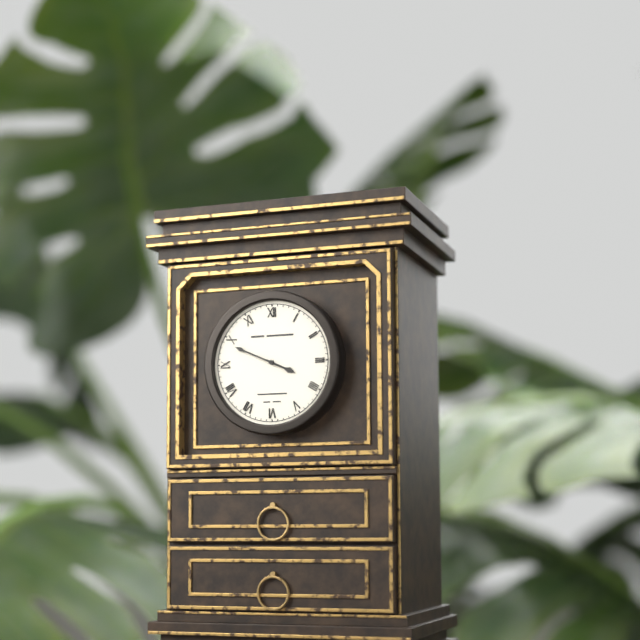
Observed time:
h=3 m=49
